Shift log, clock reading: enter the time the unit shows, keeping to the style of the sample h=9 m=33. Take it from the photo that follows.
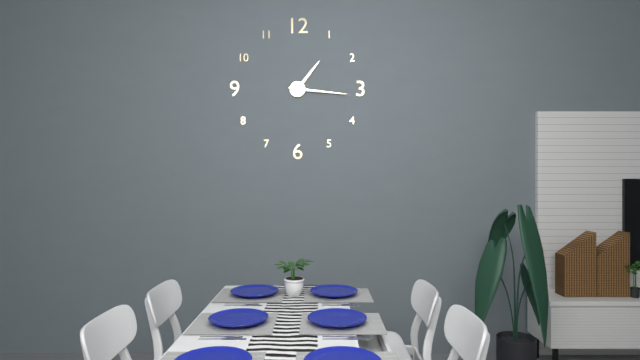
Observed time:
h=1 m=16
